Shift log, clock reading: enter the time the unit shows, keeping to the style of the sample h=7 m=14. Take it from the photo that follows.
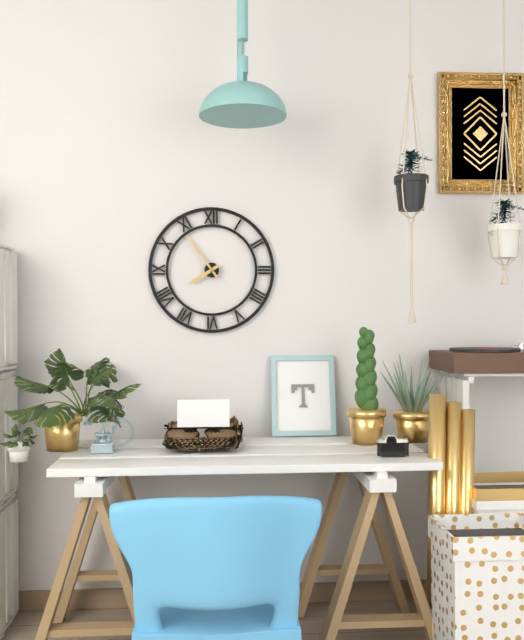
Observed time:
h=7 m=54
